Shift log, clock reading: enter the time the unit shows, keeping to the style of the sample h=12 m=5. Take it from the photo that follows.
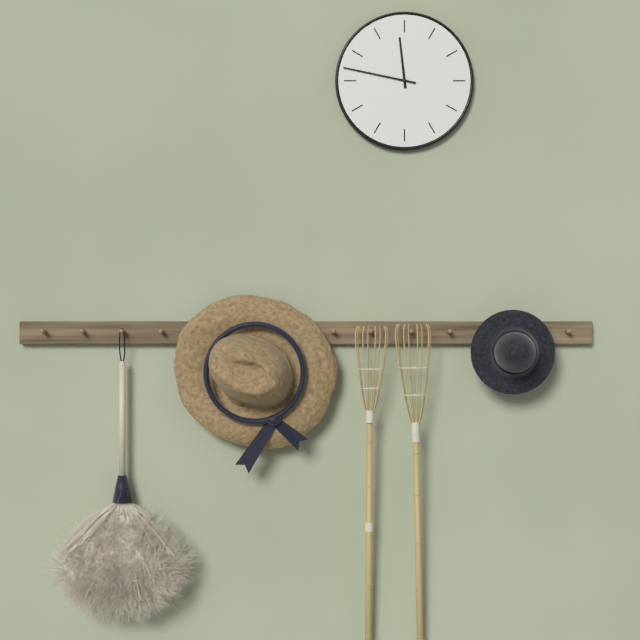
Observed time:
h=11 m=47
